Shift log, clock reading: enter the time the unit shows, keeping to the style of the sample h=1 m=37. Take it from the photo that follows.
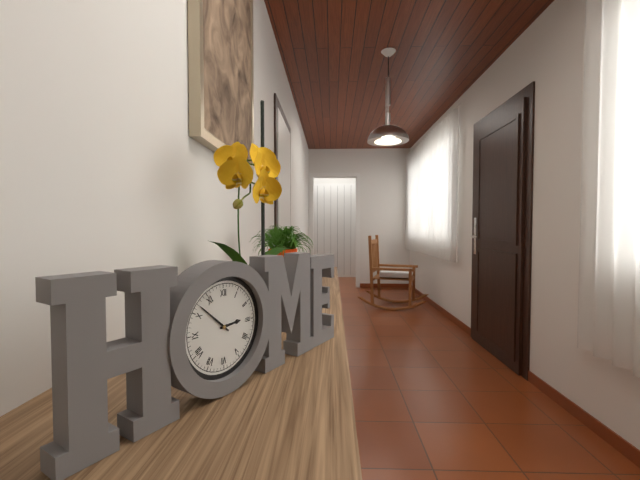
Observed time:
h=2 m=52
